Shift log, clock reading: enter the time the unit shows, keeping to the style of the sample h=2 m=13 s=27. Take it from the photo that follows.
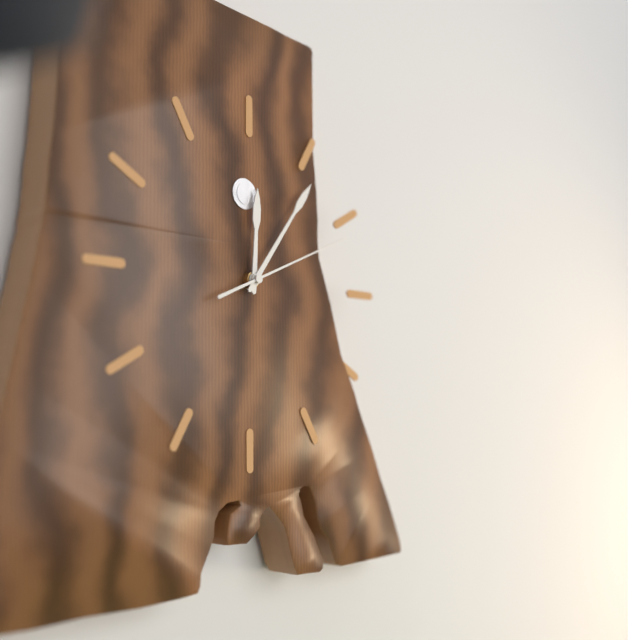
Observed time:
h=12 m=6 s=11
